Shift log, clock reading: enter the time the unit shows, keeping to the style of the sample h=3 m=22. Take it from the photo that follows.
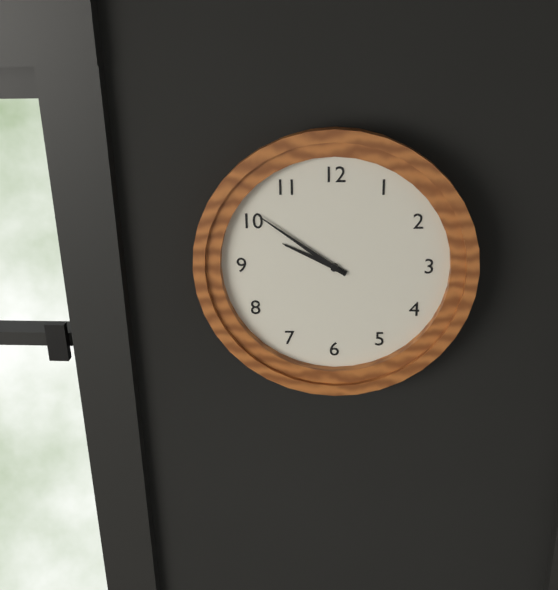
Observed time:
h=9 m=51
